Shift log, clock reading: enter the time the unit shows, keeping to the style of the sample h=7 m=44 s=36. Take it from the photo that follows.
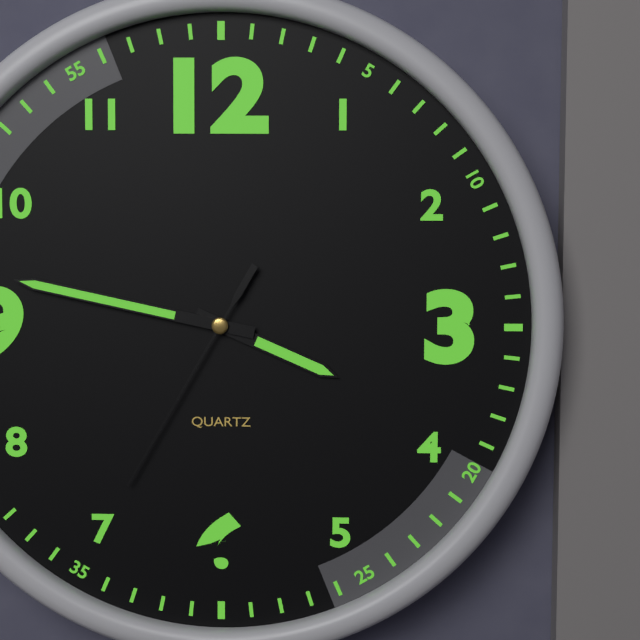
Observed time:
h=3 m=47 s=35
